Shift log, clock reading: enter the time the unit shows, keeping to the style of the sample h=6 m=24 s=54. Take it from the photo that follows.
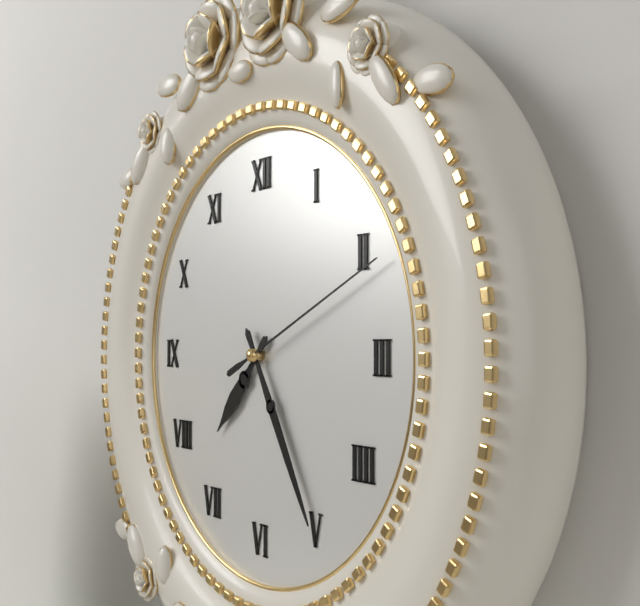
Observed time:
h=7 m=25 s=11
